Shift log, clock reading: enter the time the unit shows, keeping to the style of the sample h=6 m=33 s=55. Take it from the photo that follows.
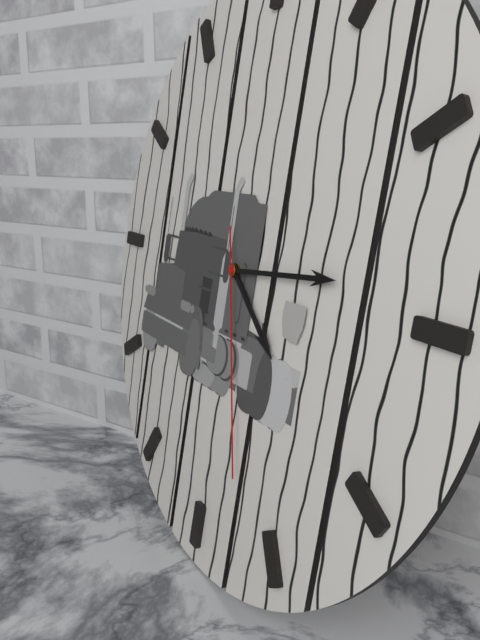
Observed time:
h=4 m=14 s=27
